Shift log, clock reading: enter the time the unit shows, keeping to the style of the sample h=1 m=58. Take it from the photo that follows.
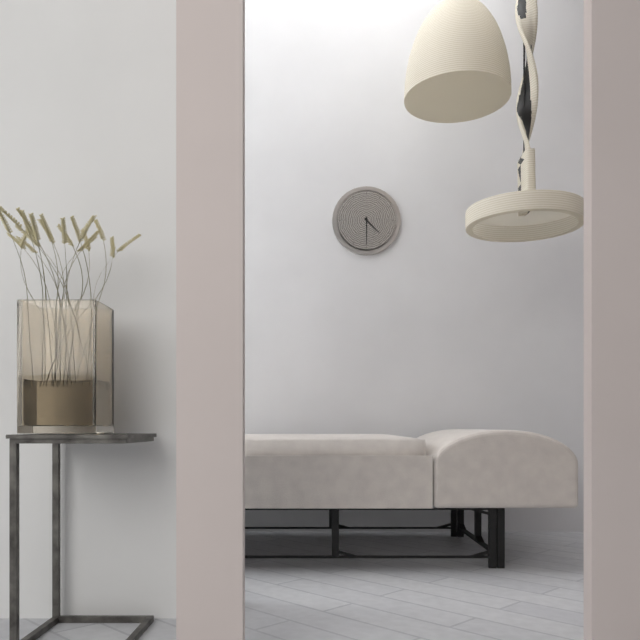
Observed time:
h=4 m=30
